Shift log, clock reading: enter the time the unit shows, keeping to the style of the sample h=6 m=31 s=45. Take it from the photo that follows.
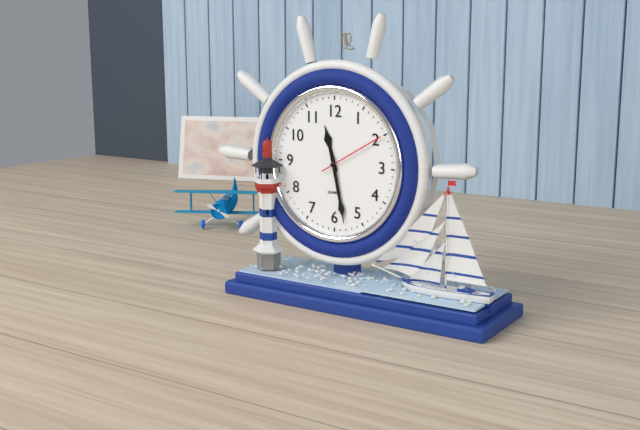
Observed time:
h=11 m=28 s=10
